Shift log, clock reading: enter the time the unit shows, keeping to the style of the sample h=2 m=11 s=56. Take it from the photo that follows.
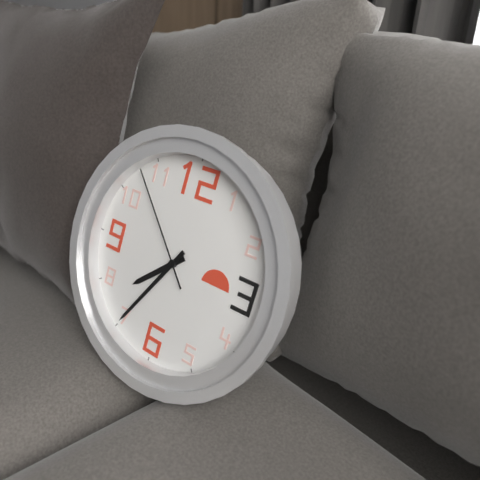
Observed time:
h=7 m=35 s=53
